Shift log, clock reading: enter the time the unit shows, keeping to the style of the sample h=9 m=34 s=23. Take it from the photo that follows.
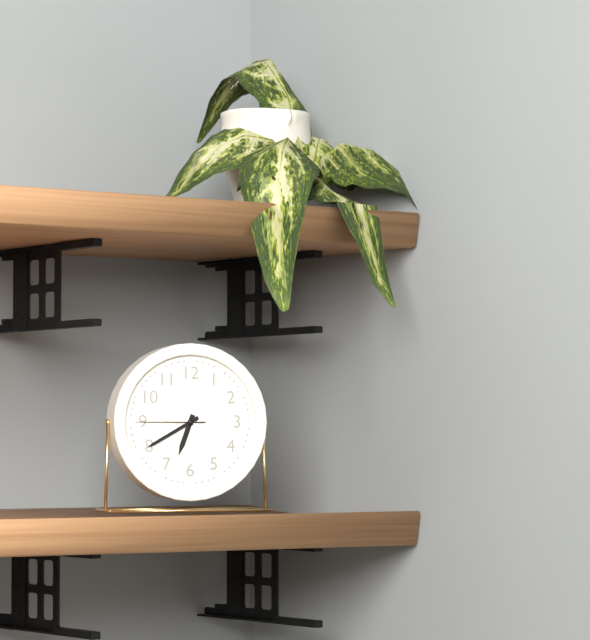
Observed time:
h=6 m=40 s=45
